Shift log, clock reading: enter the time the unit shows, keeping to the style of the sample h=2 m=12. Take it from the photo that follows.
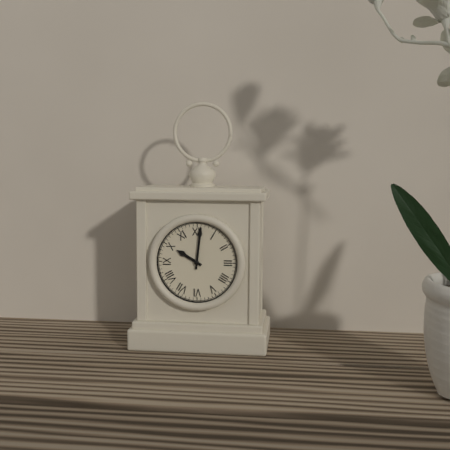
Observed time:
h=10 m=1
